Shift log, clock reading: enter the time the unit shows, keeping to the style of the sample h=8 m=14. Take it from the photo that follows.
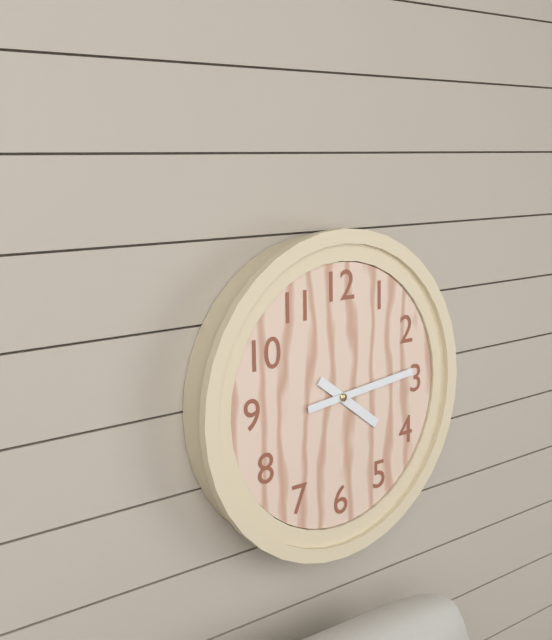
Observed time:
h=4 m=14
